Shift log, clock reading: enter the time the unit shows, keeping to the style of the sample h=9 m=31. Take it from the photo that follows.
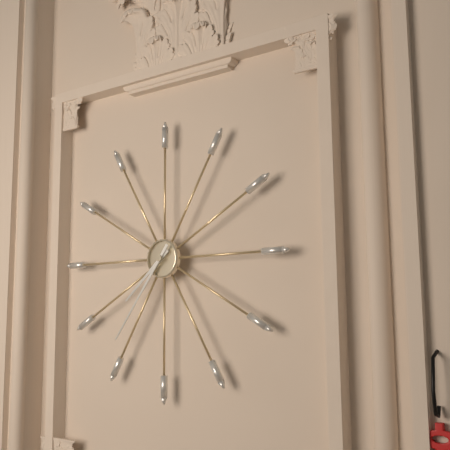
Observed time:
h=7 m=36
